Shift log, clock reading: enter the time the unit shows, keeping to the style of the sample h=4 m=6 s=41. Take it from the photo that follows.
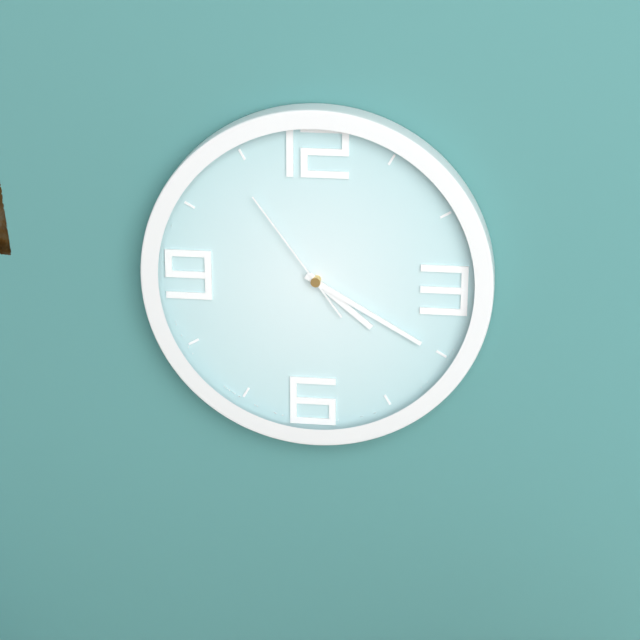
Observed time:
h=4 m=20 s=54
